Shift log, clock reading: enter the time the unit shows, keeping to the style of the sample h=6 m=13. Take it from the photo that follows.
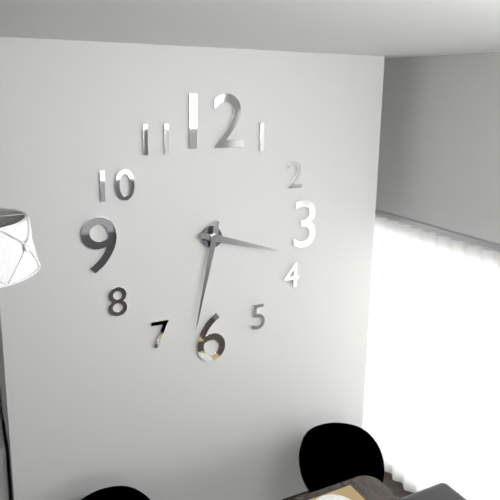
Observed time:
h=3 m=32
